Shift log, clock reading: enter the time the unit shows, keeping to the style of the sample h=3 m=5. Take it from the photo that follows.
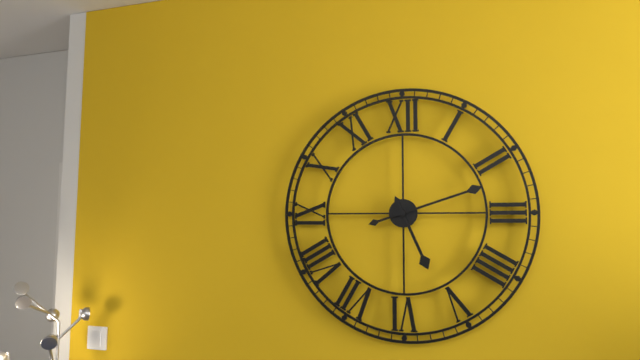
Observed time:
h=5 m=12
